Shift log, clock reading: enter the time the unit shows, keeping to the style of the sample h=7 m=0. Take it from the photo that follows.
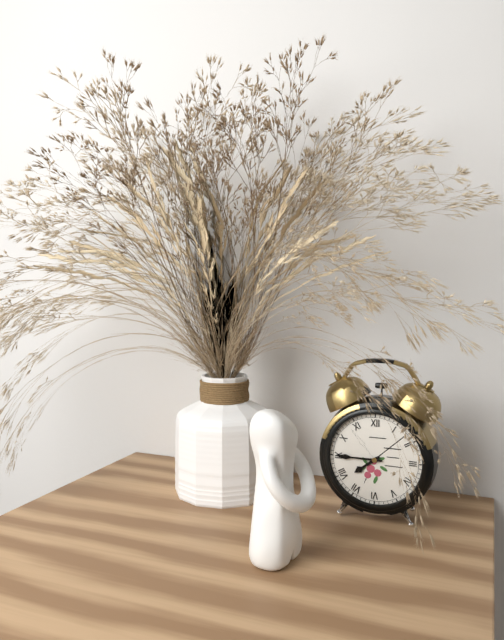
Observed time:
h=7 m=45
